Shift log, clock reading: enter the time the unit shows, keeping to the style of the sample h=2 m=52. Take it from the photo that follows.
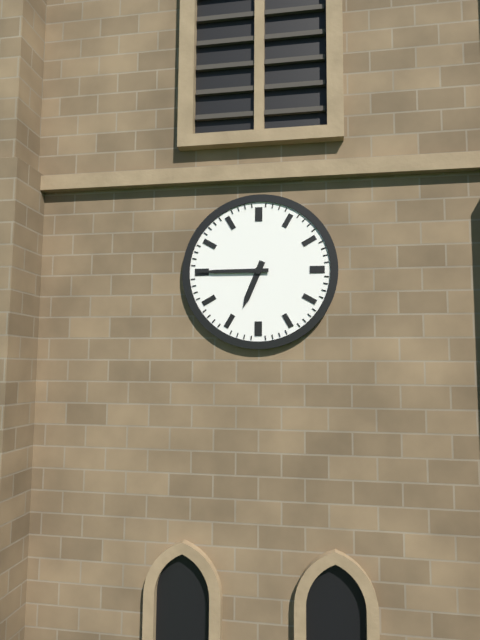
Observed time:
h=6 m=45
